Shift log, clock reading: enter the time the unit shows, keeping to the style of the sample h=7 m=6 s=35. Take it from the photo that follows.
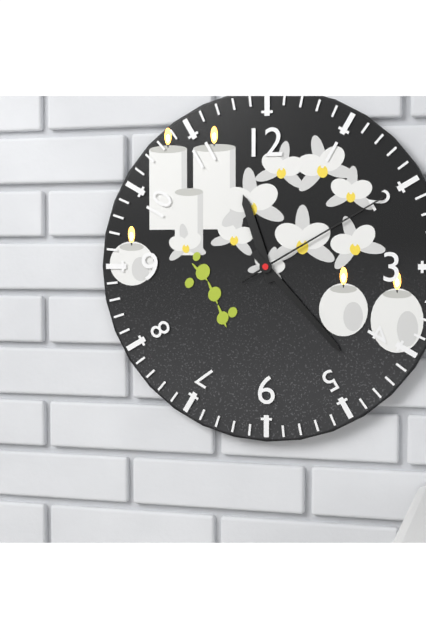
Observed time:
h=11 m=23 s=10
